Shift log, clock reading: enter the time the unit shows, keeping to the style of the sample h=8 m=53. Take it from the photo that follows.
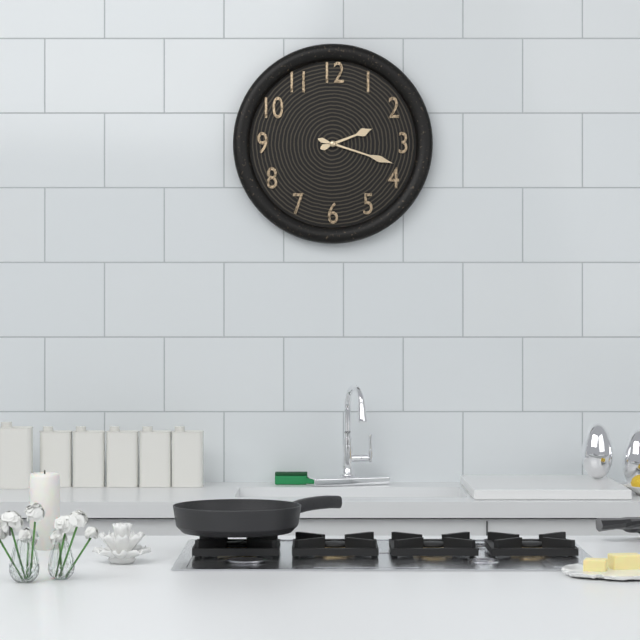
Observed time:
h=2 m=18
